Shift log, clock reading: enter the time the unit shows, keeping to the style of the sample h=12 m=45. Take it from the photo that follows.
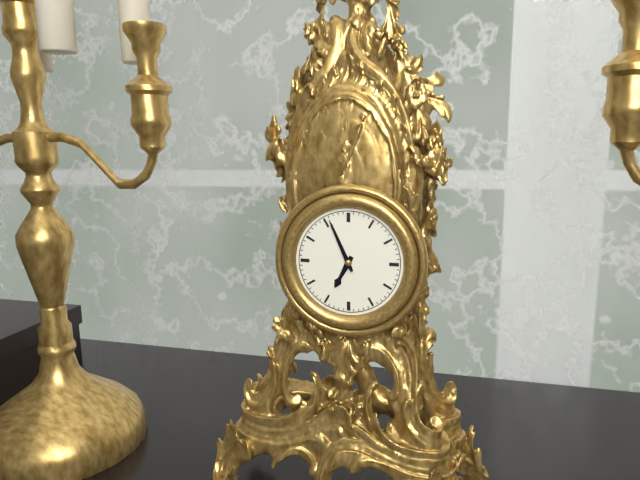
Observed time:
h=6 m=56
